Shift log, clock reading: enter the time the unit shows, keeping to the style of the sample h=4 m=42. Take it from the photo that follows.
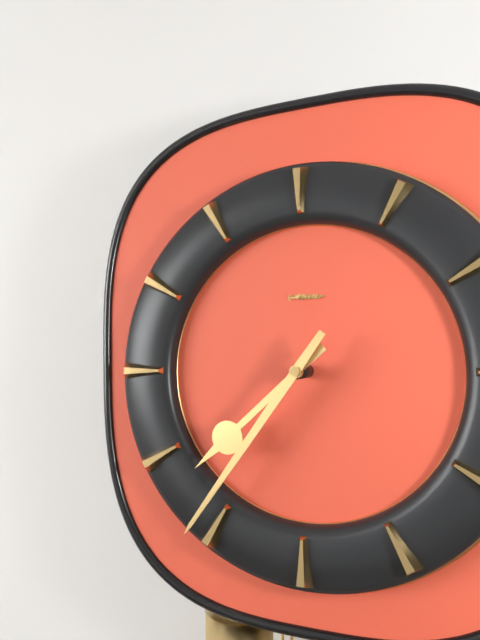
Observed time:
h=7 m=36
